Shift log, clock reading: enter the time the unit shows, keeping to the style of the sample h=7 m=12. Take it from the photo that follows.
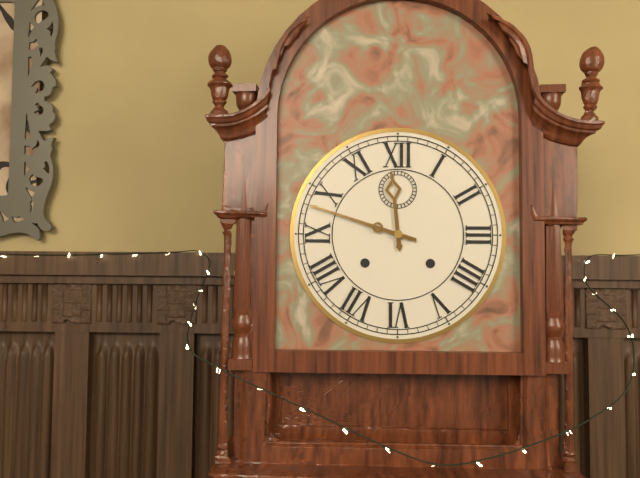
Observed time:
h=11 m=48
